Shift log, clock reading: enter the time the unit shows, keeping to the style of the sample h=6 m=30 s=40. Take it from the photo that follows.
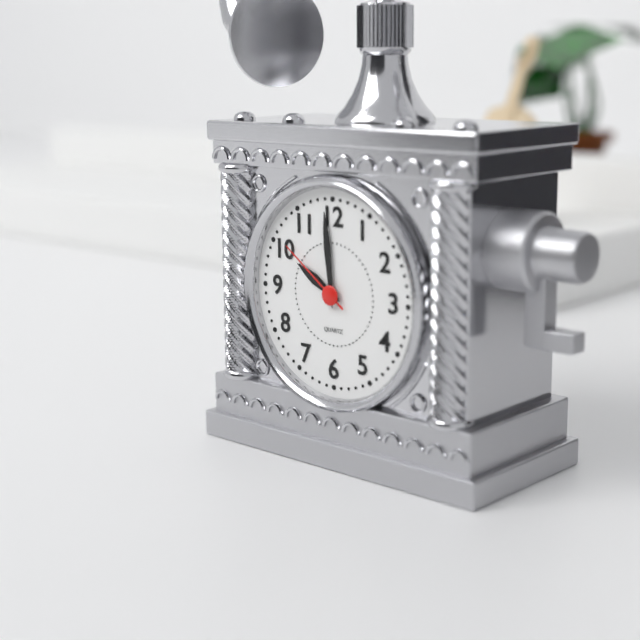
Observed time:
h=9 m=59 s=51
